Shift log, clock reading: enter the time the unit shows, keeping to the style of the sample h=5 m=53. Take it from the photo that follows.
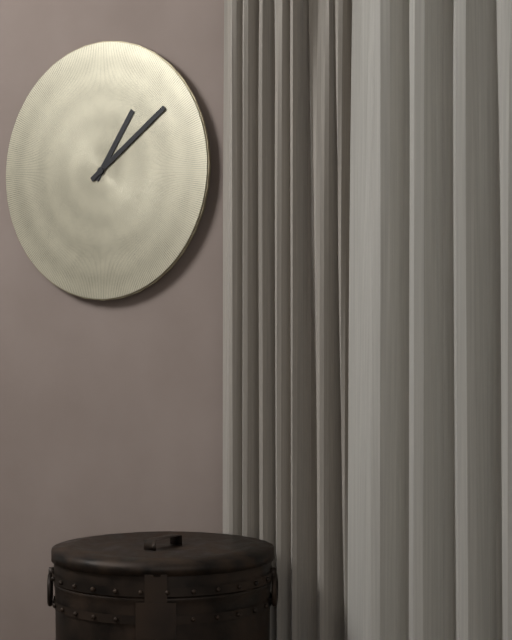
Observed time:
h=1 m=9
